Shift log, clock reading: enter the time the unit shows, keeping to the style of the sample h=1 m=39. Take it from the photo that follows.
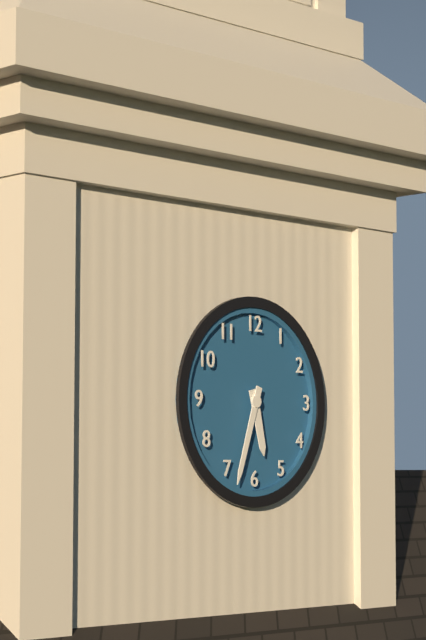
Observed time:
h=5 m=33
